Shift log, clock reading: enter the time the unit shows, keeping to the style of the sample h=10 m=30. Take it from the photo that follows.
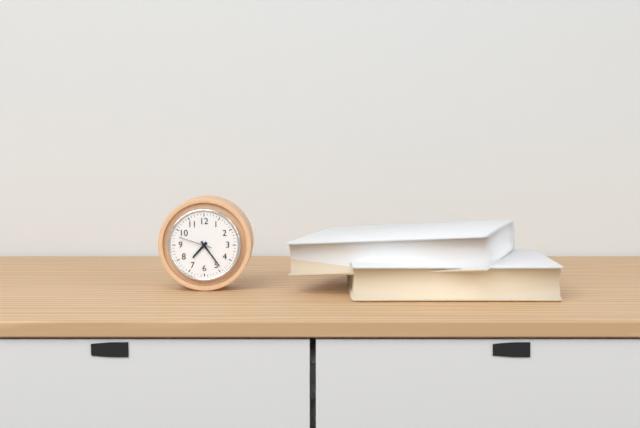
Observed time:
h=7 m=24
